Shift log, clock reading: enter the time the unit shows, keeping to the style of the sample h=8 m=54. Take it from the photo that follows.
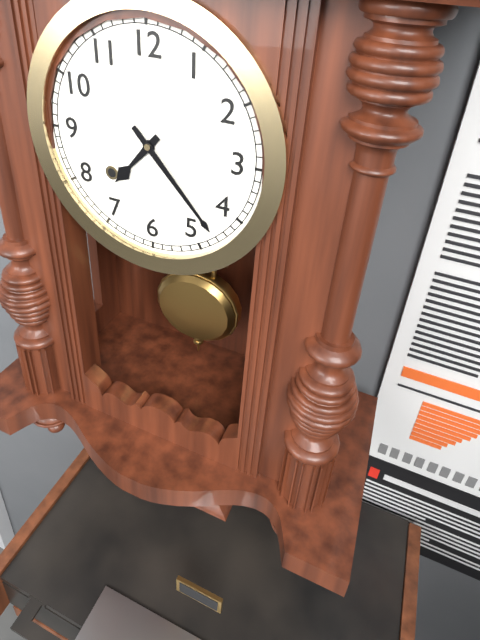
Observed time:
h=7 m=23
